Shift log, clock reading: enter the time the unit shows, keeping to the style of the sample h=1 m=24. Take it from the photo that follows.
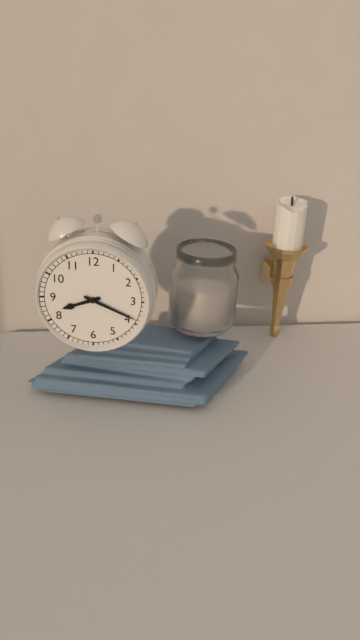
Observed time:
h=8 m=19
